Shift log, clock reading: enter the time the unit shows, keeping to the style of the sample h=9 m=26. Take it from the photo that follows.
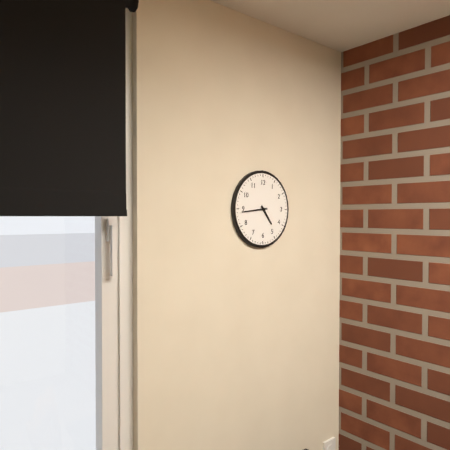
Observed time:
h=4 m=44
